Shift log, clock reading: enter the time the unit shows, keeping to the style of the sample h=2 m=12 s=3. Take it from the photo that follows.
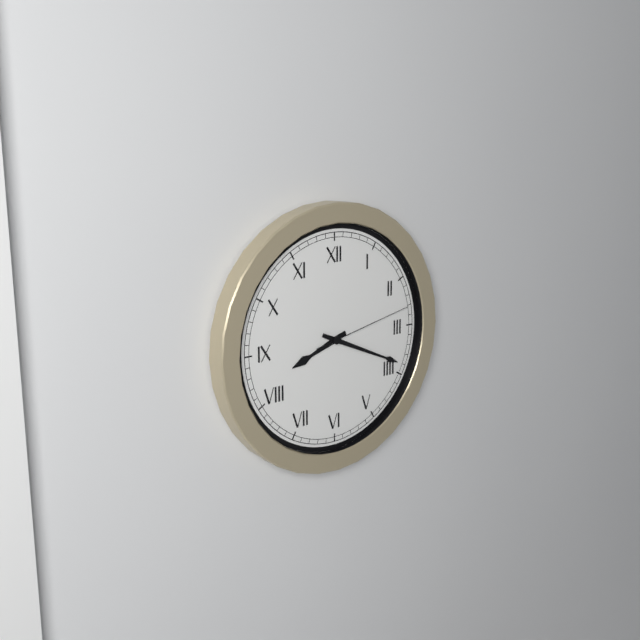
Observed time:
h=8 m=19 s=13
